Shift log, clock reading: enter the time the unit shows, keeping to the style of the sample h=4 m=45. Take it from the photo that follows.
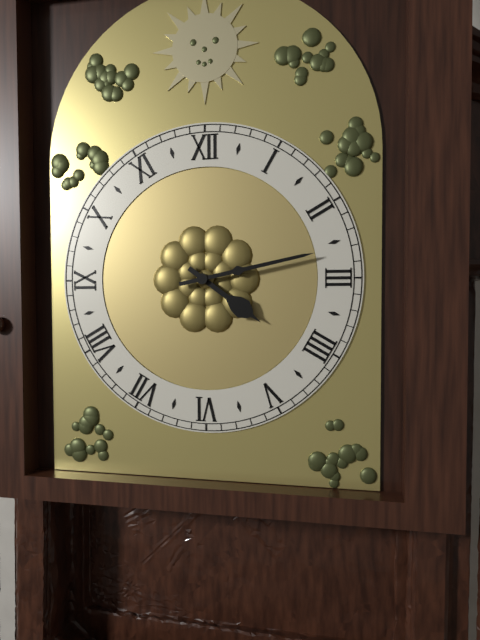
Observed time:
h=4 m=13
